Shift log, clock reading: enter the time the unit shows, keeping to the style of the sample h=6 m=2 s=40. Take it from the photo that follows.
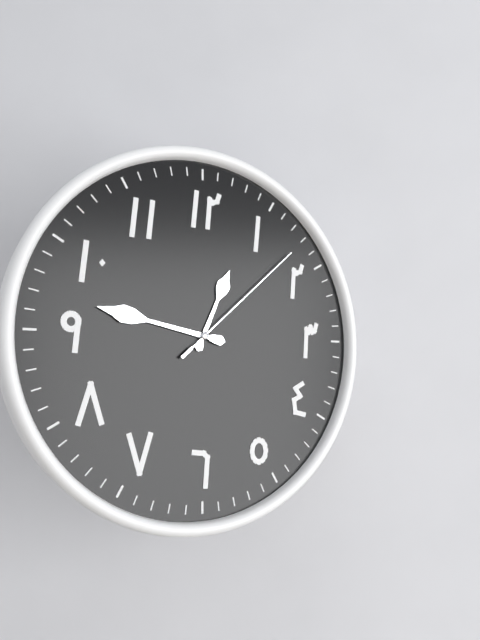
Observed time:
h=12 m=47 s=8
